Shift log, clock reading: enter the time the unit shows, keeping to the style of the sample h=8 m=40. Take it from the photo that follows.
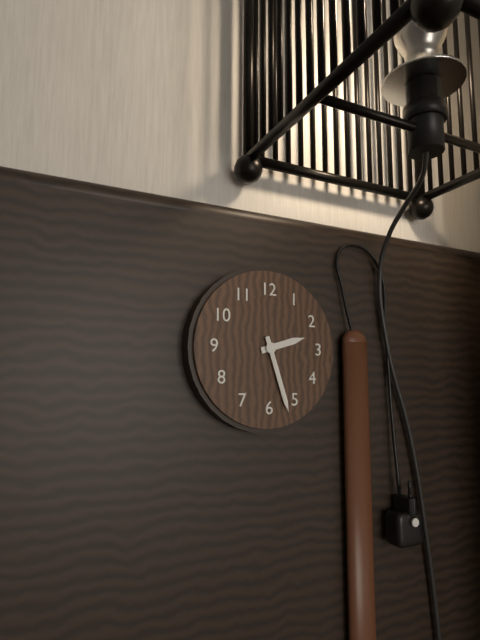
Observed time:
h=2 m=27
